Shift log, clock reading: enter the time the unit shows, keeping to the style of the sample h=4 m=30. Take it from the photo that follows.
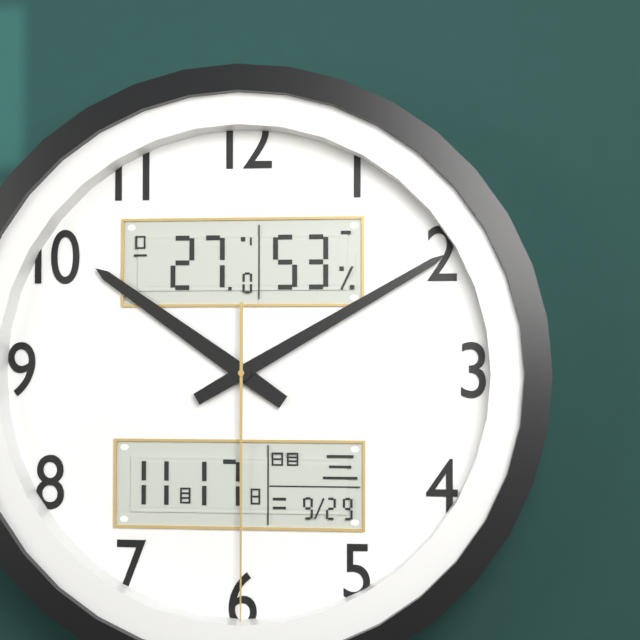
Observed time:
h=10 m=10
